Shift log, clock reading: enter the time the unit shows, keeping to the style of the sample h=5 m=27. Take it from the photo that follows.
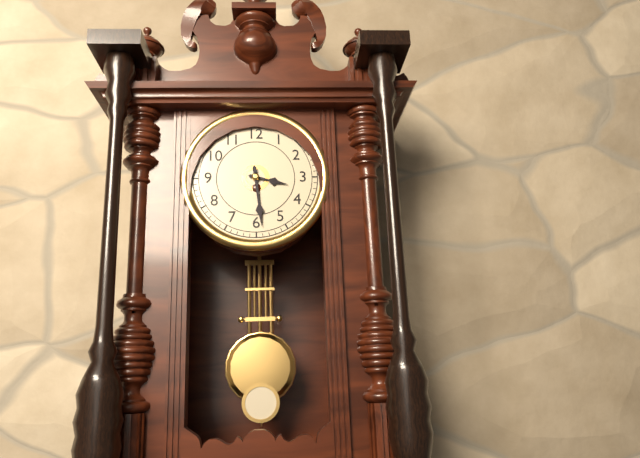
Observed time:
h=3 m=29
